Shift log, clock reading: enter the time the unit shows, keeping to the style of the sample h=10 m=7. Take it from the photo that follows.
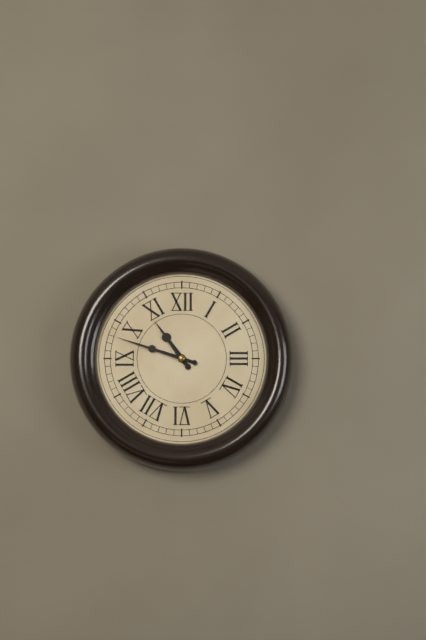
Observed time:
h=10 m=48
